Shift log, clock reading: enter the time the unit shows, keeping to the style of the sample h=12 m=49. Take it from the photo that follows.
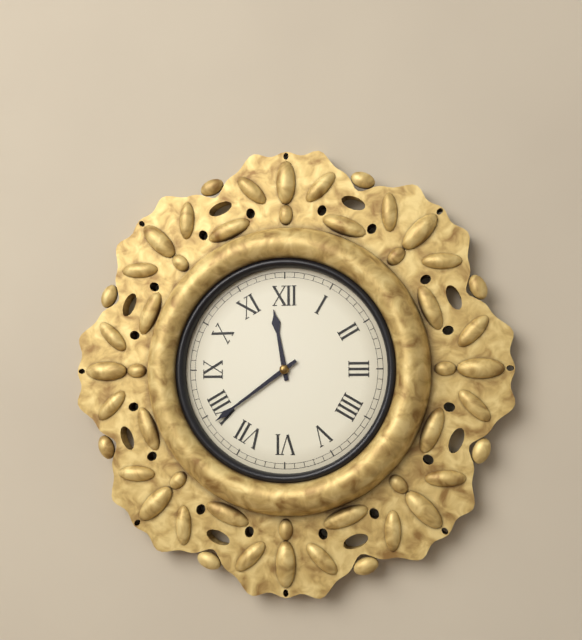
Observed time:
h=11 m=39
